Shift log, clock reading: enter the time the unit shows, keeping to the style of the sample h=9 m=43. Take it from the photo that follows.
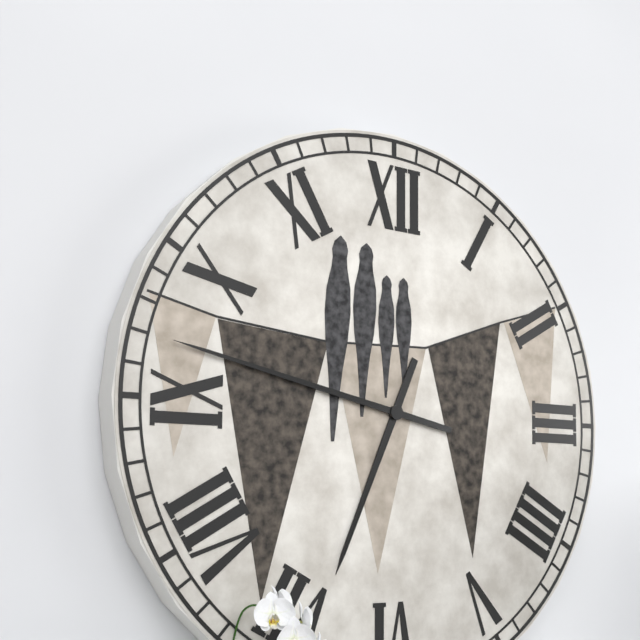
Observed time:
h=6 m=47
